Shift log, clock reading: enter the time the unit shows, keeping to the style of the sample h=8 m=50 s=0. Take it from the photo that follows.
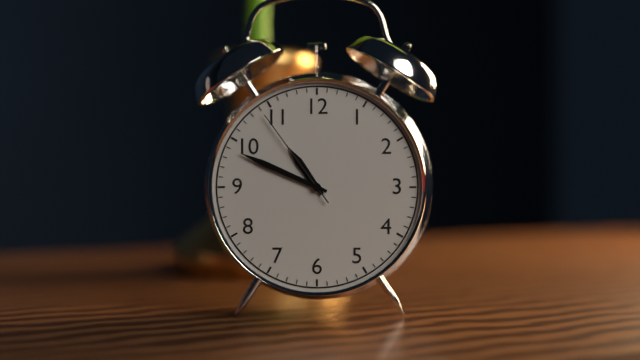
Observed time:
h=10 m=49 s=54
